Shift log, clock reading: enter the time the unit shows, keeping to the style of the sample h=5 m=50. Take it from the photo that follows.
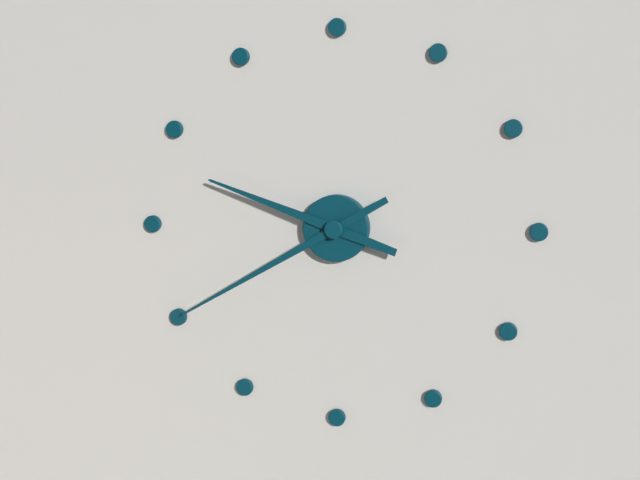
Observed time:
h=9 m=40
